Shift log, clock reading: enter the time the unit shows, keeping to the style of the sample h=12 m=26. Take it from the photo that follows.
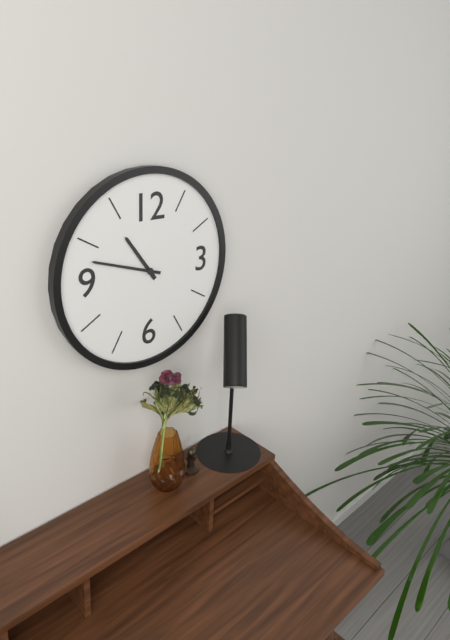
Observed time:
h=10 m=48
